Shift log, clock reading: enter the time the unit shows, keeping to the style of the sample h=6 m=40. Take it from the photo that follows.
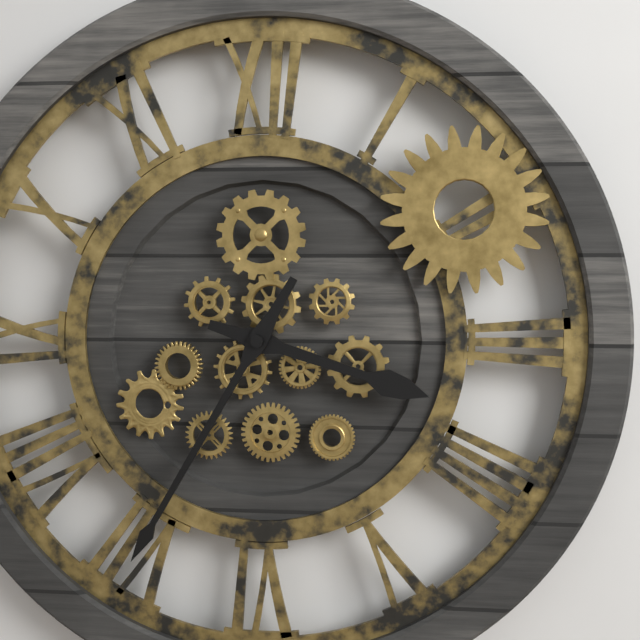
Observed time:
h=3 m=35
